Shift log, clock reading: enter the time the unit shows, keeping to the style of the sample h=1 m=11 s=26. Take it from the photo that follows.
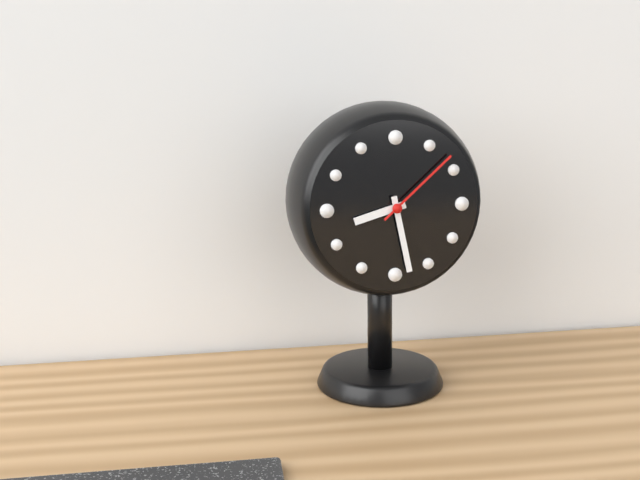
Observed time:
h=8 m=28 s=8
